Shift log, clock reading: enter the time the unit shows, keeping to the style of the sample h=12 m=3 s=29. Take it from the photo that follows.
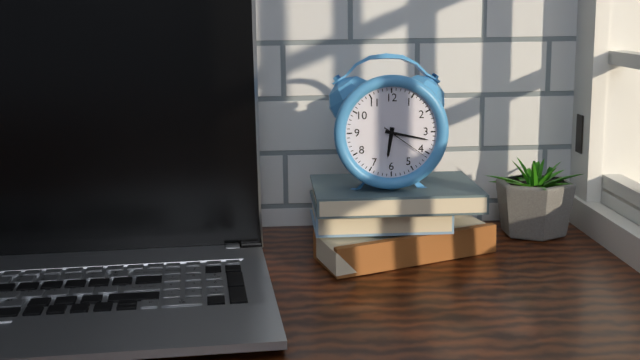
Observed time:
h=6 m=17 s=21
